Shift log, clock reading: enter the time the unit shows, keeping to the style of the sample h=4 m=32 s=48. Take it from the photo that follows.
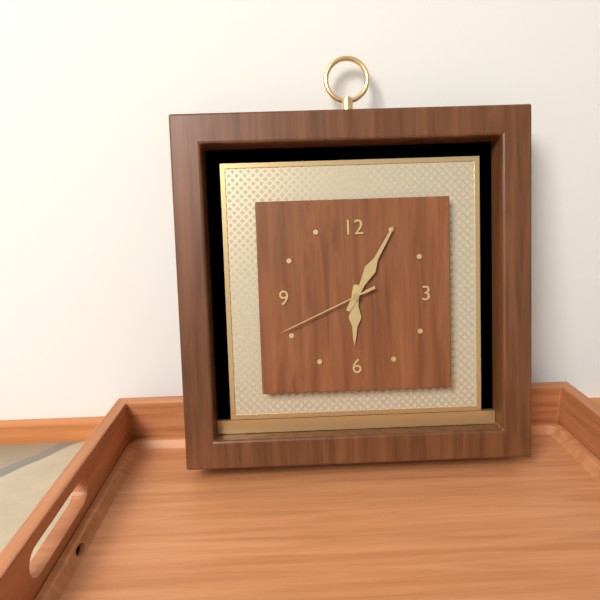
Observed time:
h=6 m=5 s=41
